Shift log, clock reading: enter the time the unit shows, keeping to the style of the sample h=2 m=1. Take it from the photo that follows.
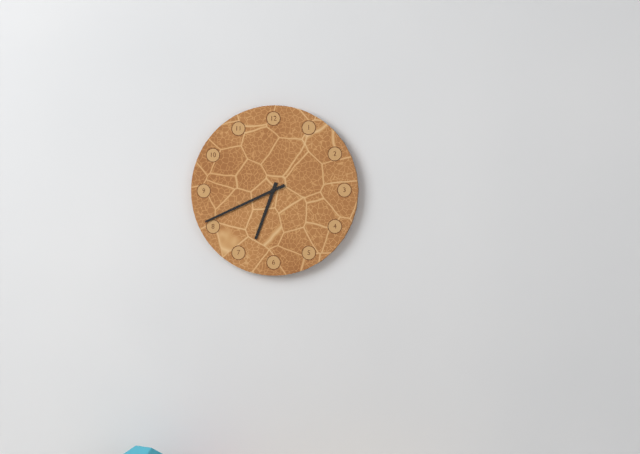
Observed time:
h=6 m=41
